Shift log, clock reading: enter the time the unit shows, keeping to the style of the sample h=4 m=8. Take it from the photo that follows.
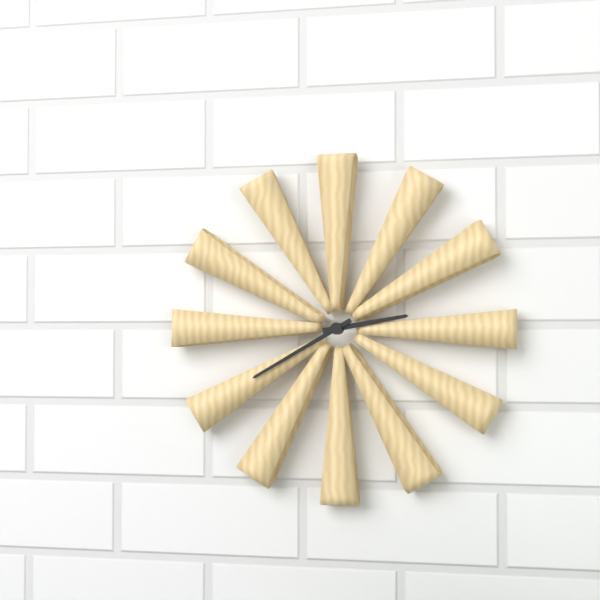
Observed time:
h=2 m=40
